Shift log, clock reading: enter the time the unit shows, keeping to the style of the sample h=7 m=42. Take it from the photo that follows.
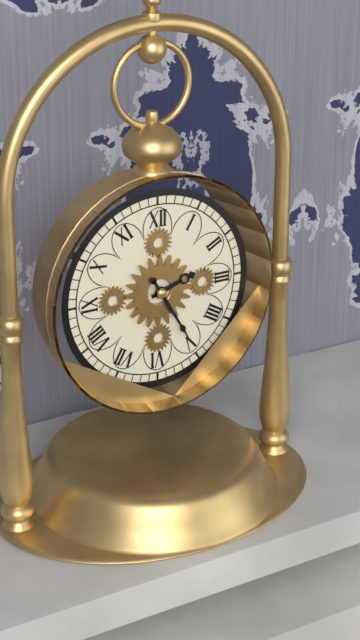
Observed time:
h=2 m=25
